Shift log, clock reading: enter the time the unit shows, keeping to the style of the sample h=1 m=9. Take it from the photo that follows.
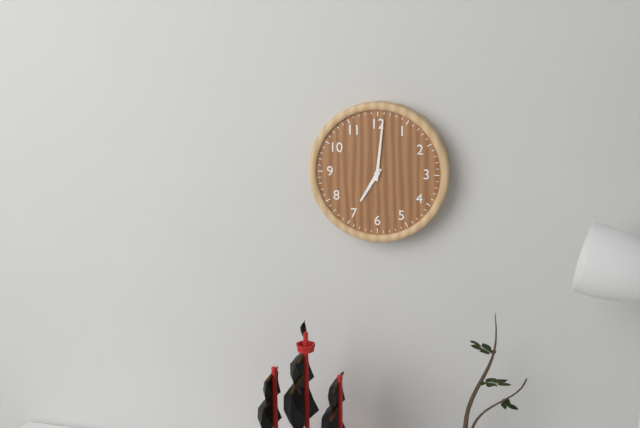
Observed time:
h=7 m=1
